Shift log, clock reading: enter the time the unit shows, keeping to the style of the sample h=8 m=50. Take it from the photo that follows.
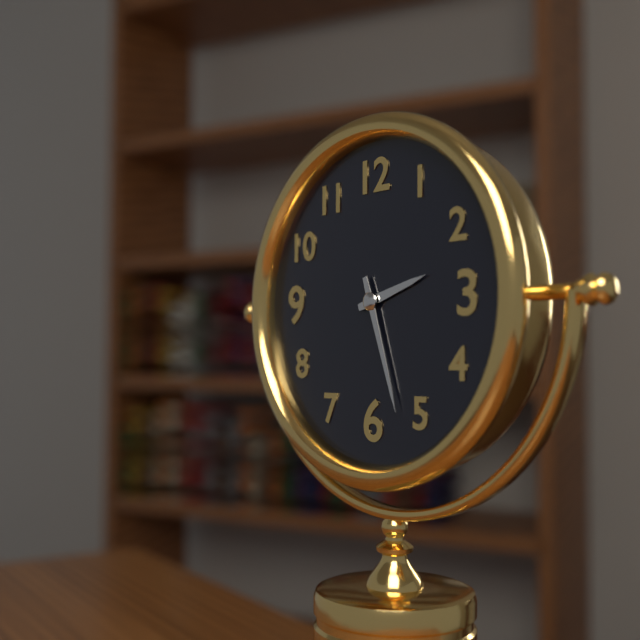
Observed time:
h=2 m=27
